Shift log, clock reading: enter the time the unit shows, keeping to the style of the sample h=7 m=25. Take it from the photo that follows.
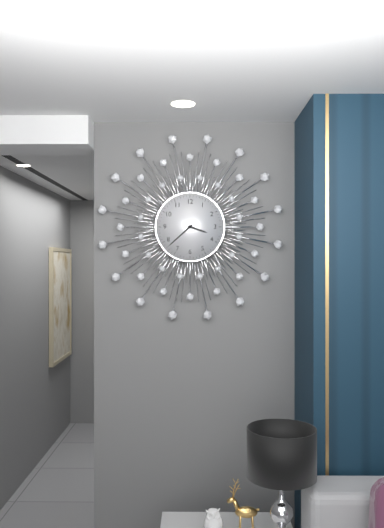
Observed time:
h=3 m=38
